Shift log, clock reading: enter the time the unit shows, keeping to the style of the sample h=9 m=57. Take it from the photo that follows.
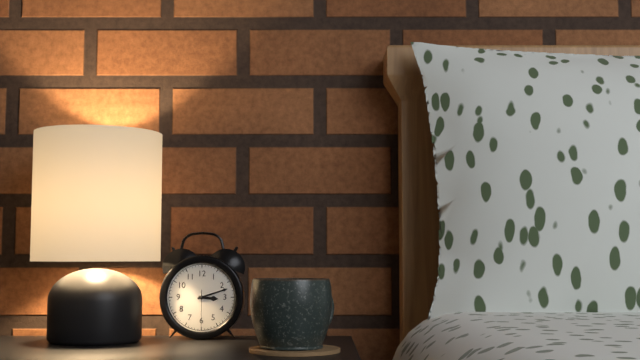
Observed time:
h=3 m=12
